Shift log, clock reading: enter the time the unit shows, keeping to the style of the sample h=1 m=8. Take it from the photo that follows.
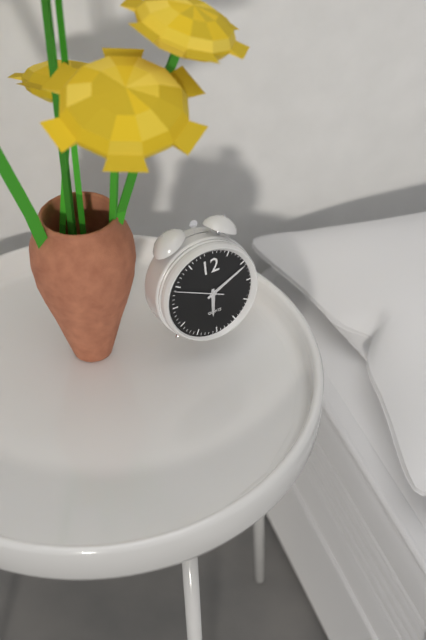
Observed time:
h=6 m=11
